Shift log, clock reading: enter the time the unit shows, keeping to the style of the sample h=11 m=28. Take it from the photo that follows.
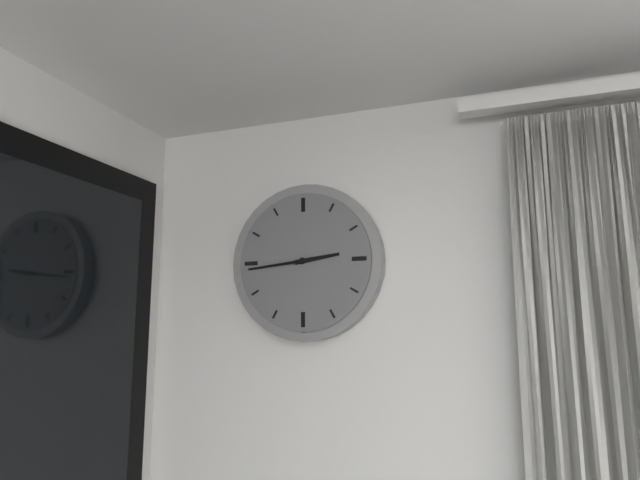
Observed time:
h=2 m=44
